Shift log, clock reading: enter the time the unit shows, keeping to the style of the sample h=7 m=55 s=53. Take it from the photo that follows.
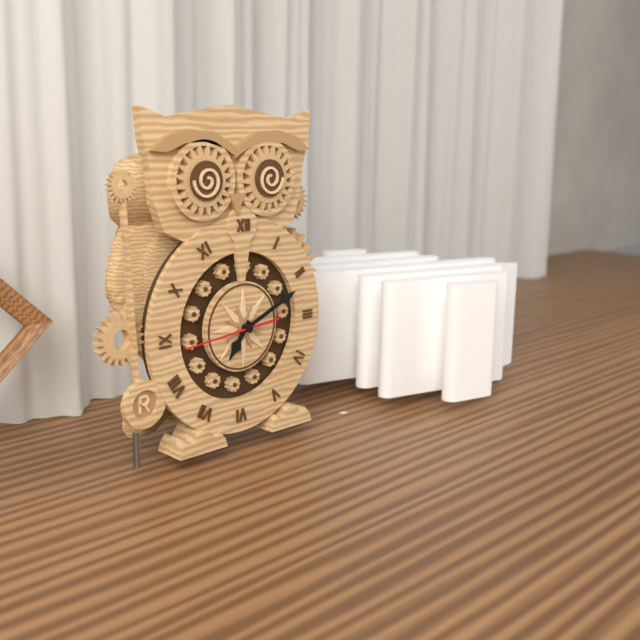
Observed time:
h=7 m=11 s=44
